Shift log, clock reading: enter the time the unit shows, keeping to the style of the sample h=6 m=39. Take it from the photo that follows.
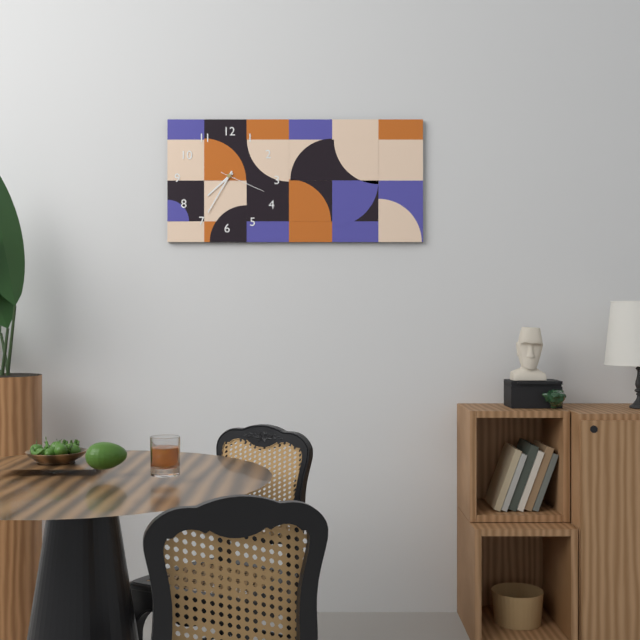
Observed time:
h=7 m=35
